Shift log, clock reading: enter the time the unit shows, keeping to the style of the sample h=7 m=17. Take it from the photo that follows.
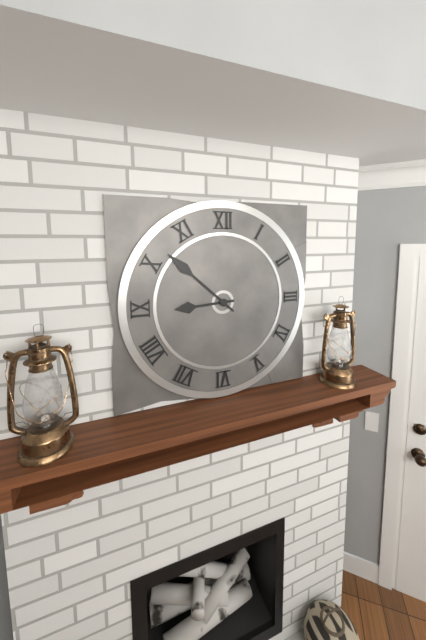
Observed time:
h=8 m=52
